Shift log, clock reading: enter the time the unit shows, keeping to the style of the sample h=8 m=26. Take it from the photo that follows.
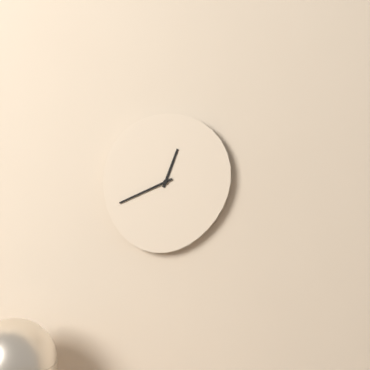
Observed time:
h=12 m=41
